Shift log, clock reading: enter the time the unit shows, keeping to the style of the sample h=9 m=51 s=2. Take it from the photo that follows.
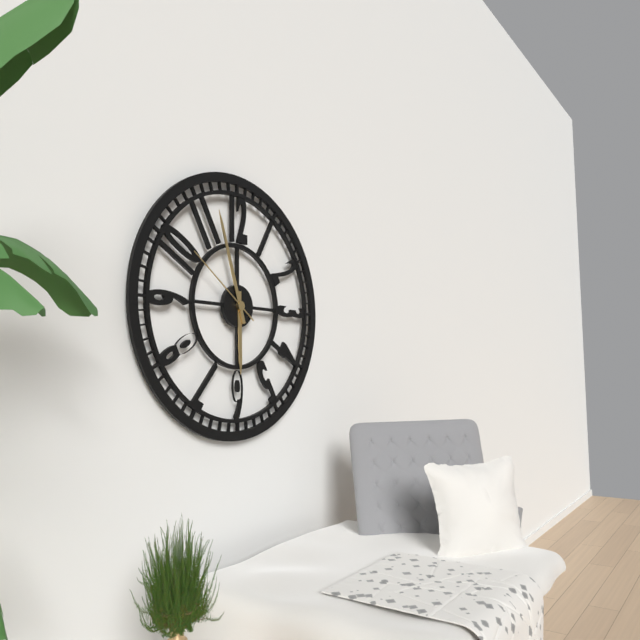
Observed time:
h=5 m=57 s=51
